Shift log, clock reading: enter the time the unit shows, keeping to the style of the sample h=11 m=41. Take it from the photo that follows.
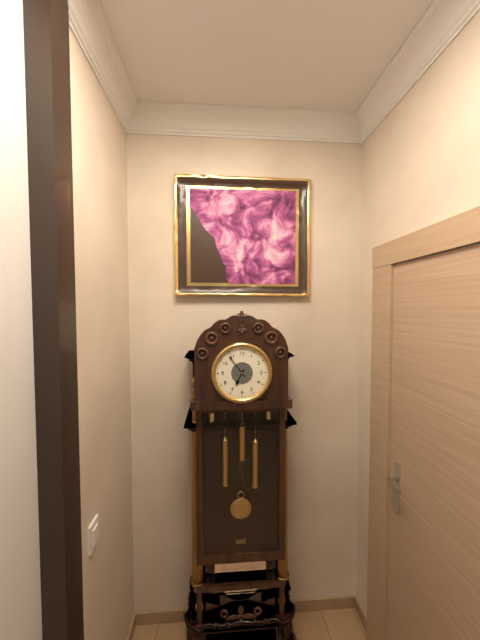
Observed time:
h=6 m=54
